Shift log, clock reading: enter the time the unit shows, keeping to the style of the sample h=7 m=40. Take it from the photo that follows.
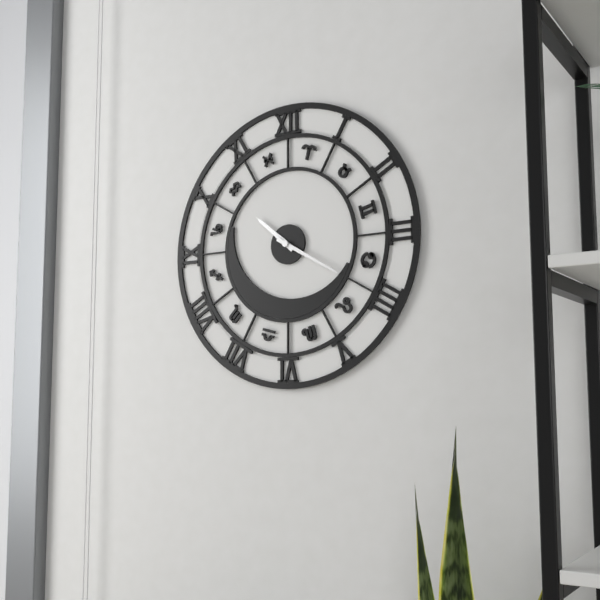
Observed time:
h=10 m=20
